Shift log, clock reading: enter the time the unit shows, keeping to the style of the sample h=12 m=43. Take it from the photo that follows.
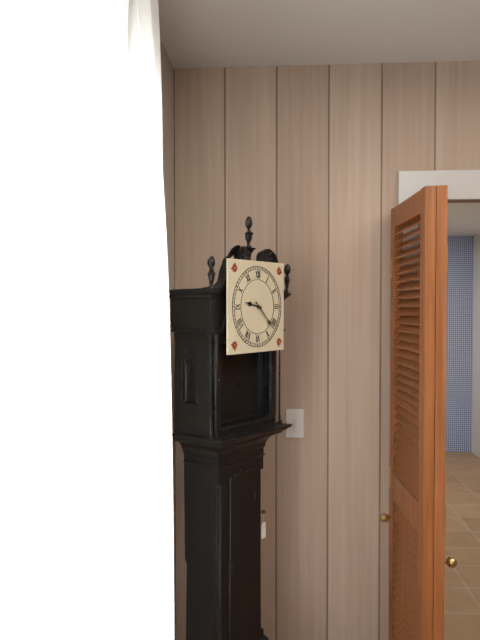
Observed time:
h=9 m=22
